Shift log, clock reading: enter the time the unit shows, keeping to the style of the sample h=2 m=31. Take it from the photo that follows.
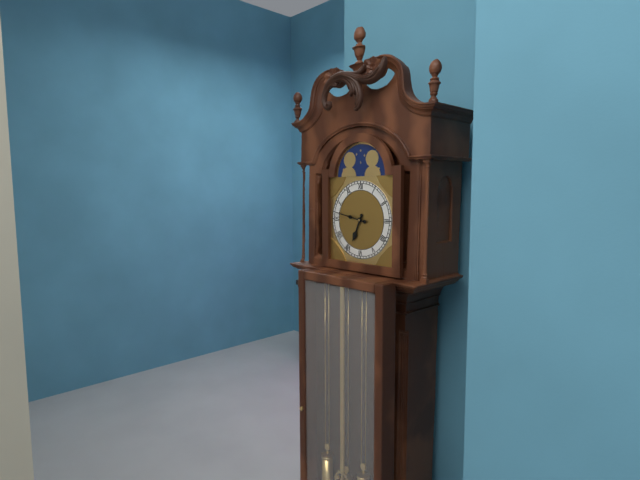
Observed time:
h=6 m=47
